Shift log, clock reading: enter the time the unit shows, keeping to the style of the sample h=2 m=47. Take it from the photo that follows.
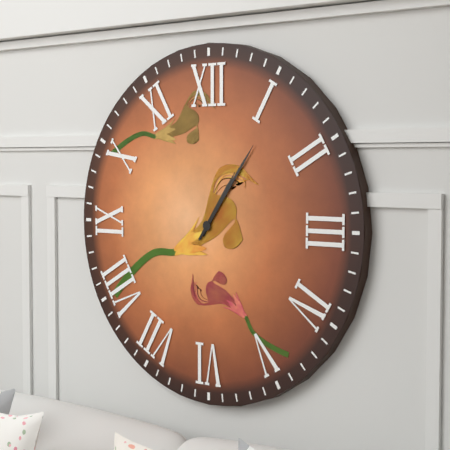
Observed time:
h=1 m=6
